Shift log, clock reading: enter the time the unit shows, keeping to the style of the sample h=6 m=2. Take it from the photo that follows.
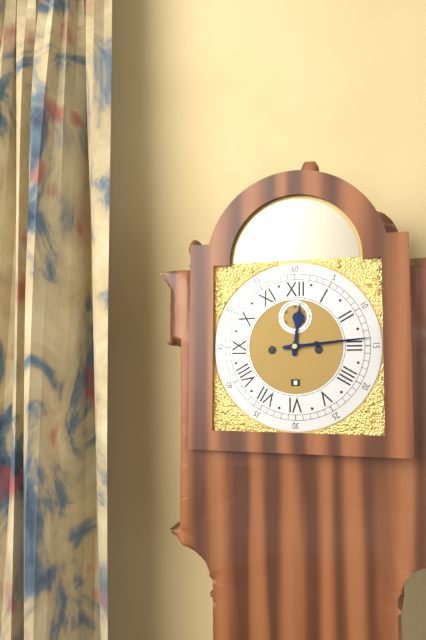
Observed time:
h=12 m=14
